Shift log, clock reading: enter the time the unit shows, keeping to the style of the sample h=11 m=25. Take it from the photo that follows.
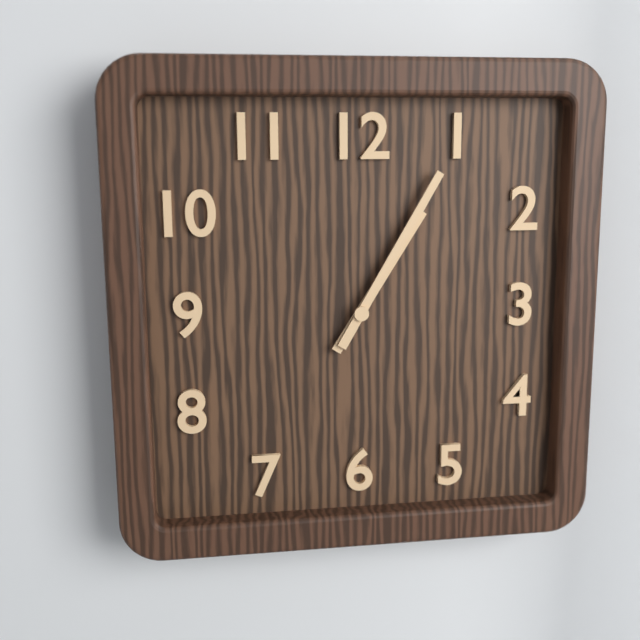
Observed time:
h=1 m=5
